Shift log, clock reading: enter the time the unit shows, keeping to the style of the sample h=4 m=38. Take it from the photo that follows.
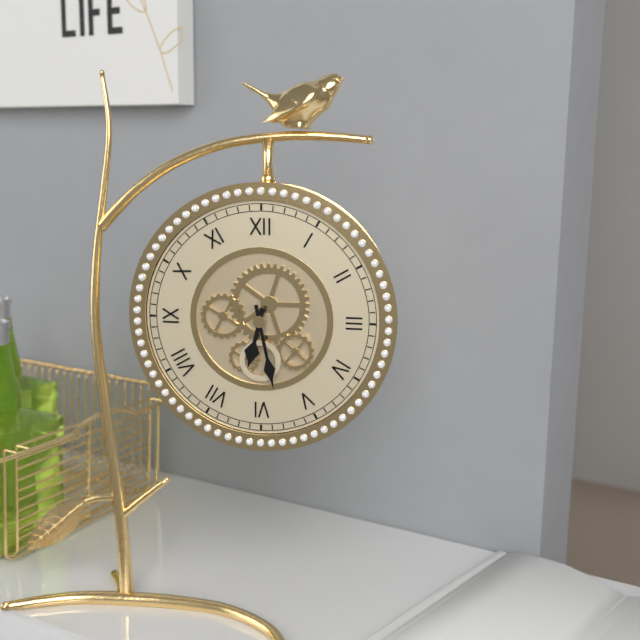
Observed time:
h=6 m=28
